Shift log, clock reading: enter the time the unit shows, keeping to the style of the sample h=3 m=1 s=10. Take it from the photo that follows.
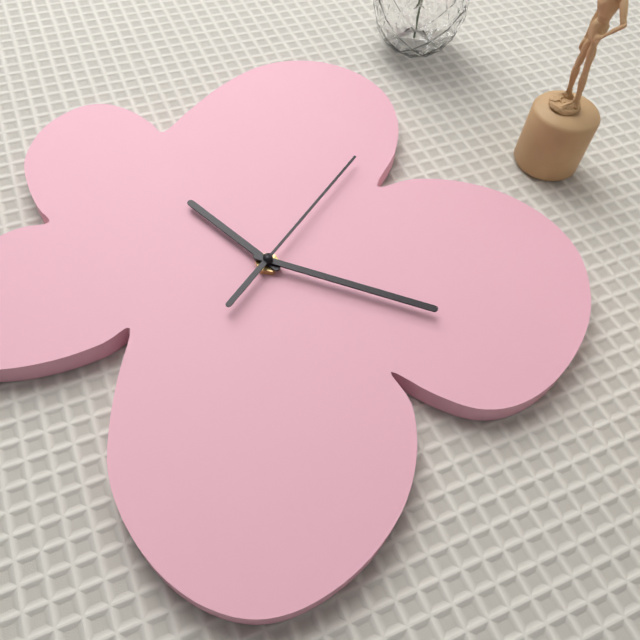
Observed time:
h=9 m=12 s=59
